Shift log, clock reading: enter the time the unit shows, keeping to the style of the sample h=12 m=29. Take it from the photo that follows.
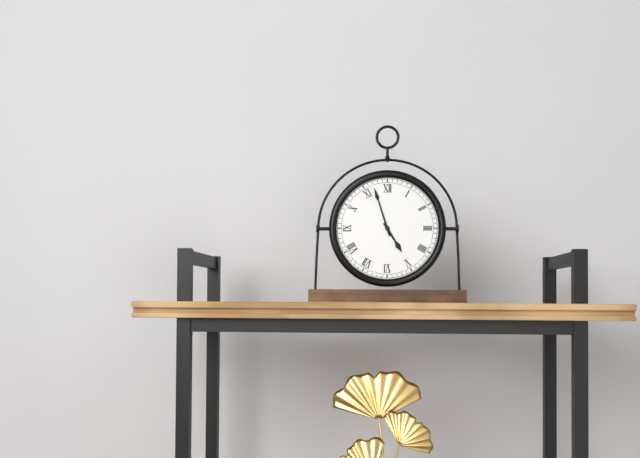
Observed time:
h=4 m=57
